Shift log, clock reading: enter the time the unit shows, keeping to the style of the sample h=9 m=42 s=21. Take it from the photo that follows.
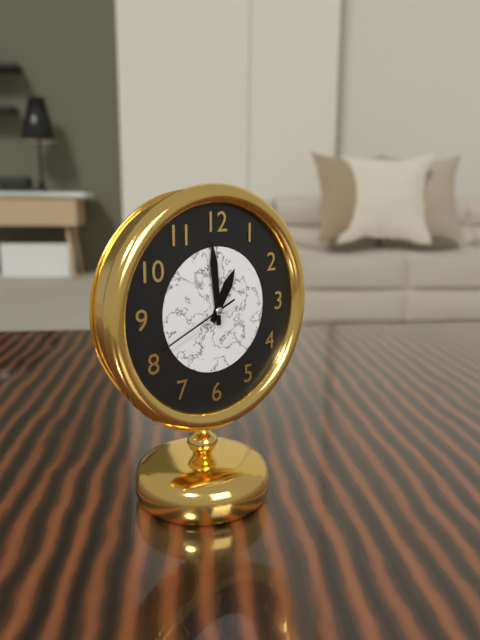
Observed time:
h=12 m=59 s=41
